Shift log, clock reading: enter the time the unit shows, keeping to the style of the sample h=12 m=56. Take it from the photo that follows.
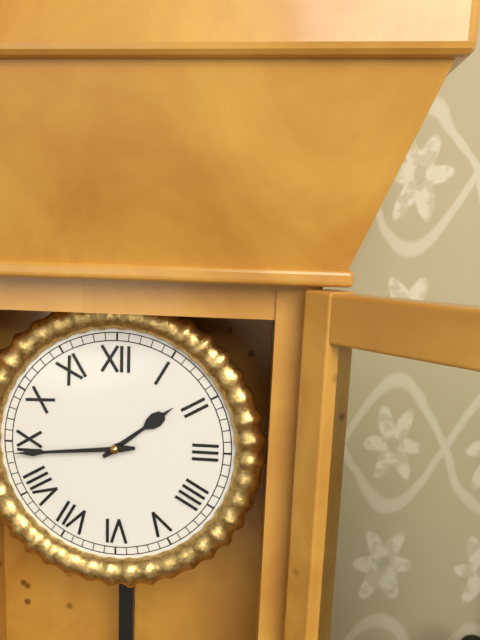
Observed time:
h=1 m=44
